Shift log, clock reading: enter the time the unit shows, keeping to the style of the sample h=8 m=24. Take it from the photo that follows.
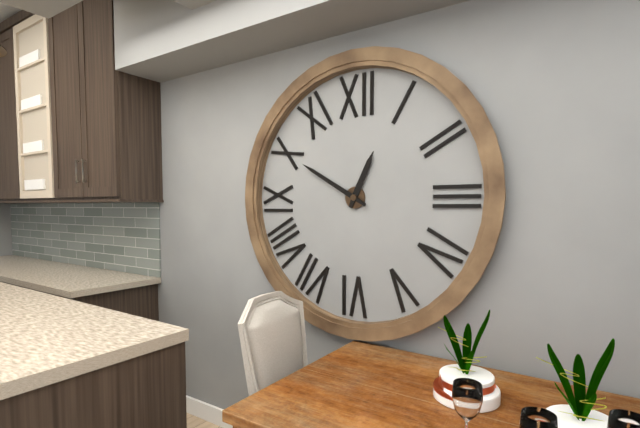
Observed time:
h=12 m=50
